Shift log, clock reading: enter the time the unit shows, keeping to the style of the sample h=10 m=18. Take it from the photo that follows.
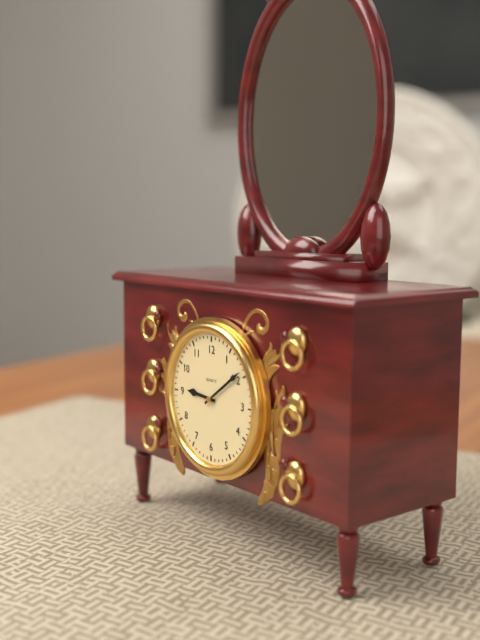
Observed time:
h=9 m=9
